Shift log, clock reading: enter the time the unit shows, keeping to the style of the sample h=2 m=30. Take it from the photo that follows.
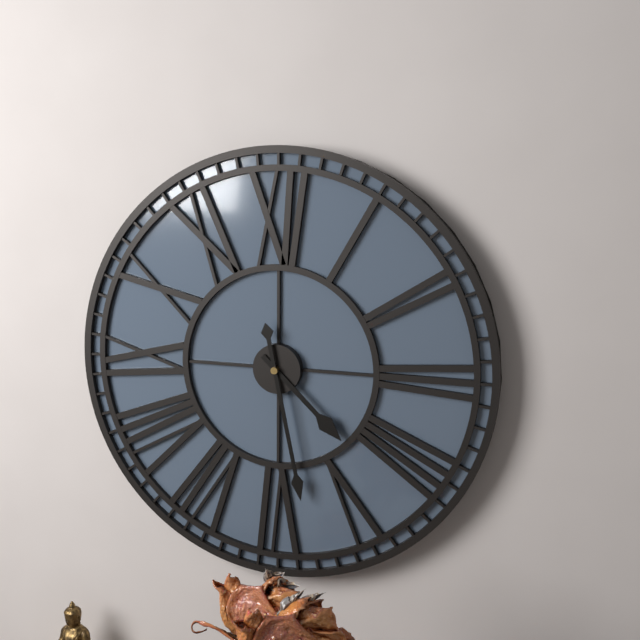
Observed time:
h=4 m=28
